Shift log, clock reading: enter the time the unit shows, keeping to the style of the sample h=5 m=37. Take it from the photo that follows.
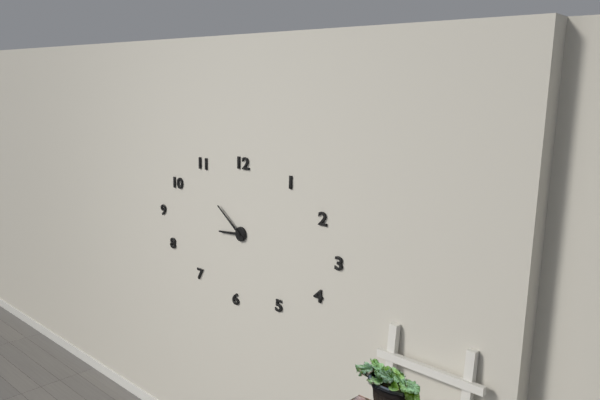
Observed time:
h=8 m=51
